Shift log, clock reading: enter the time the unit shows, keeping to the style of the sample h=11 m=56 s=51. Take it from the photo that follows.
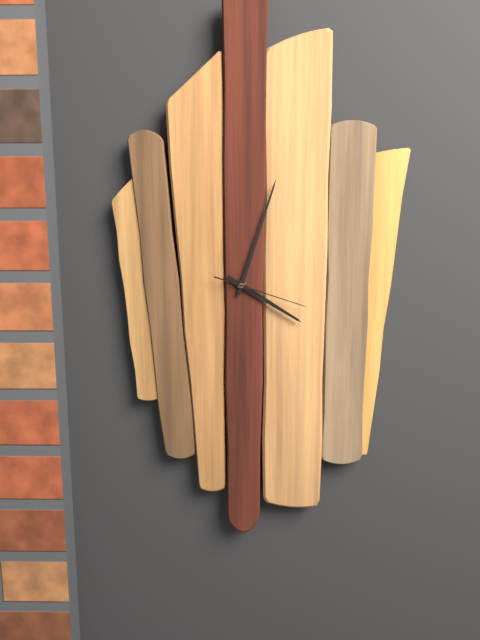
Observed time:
h=4 m=3 s=18
